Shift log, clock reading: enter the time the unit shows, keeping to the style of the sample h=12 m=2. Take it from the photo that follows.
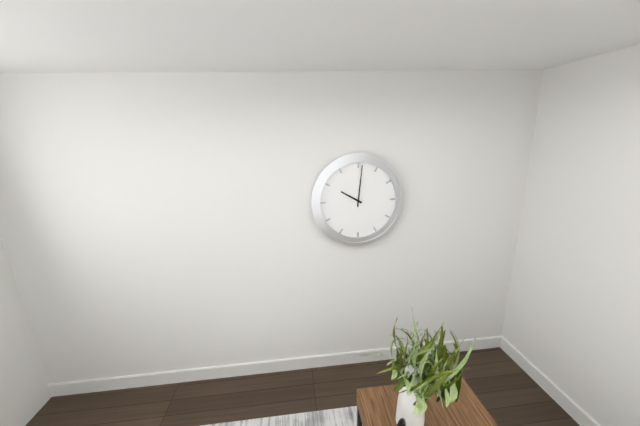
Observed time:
h=10 m=1
